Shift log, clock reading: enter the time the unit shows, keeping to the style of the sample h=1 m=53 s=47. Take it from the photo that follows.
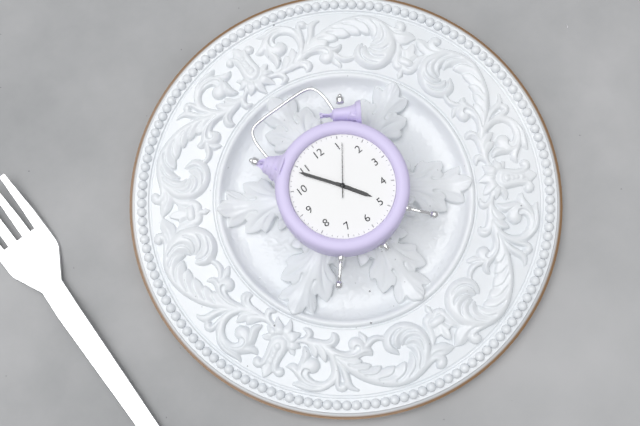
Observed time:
h=4 m=54 s=6
